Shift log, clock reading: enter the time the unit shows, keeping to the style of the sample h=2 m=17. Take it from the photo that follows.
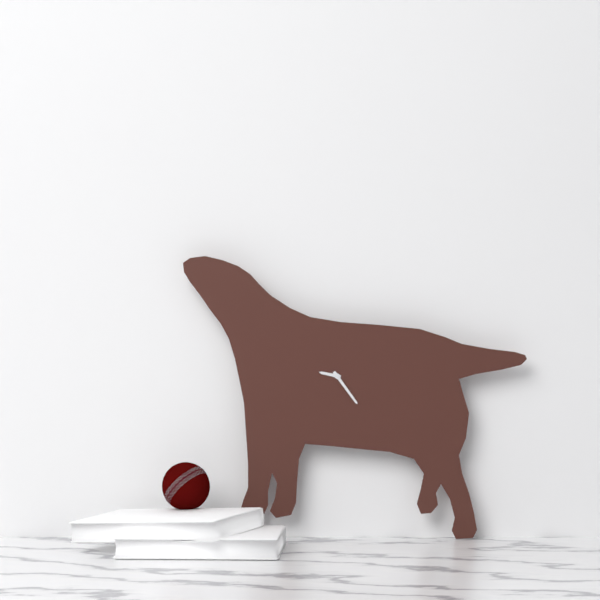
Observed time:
h=9 m=24
